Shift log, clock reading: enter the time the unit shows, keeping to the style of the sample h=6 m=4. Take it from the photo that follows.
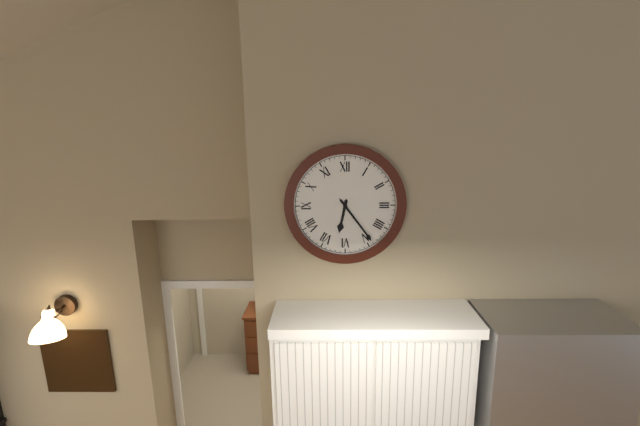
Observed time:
h=6 m=24
